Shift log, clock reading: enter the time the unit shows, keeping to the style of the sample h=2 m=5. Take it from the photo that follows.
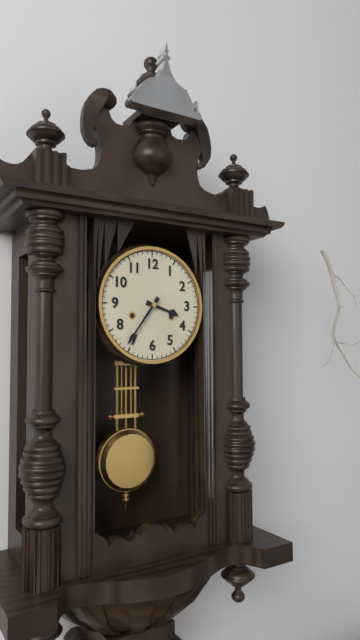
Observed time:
h=3 m=36
